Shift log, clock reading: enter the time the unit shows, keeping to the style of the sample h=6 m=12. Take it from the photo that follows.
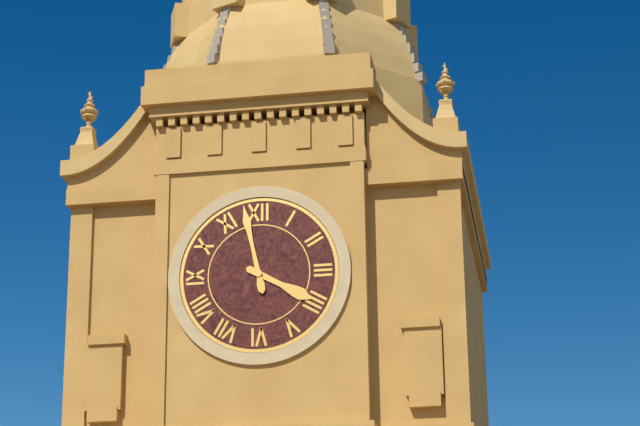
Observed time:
h=3 m=58
